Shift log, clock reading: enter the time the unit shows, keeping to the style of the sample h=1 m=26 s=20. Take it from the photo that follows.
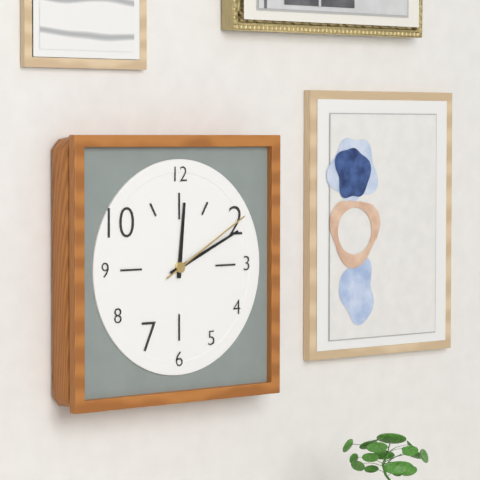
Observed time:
h=12 m=11 s=10
